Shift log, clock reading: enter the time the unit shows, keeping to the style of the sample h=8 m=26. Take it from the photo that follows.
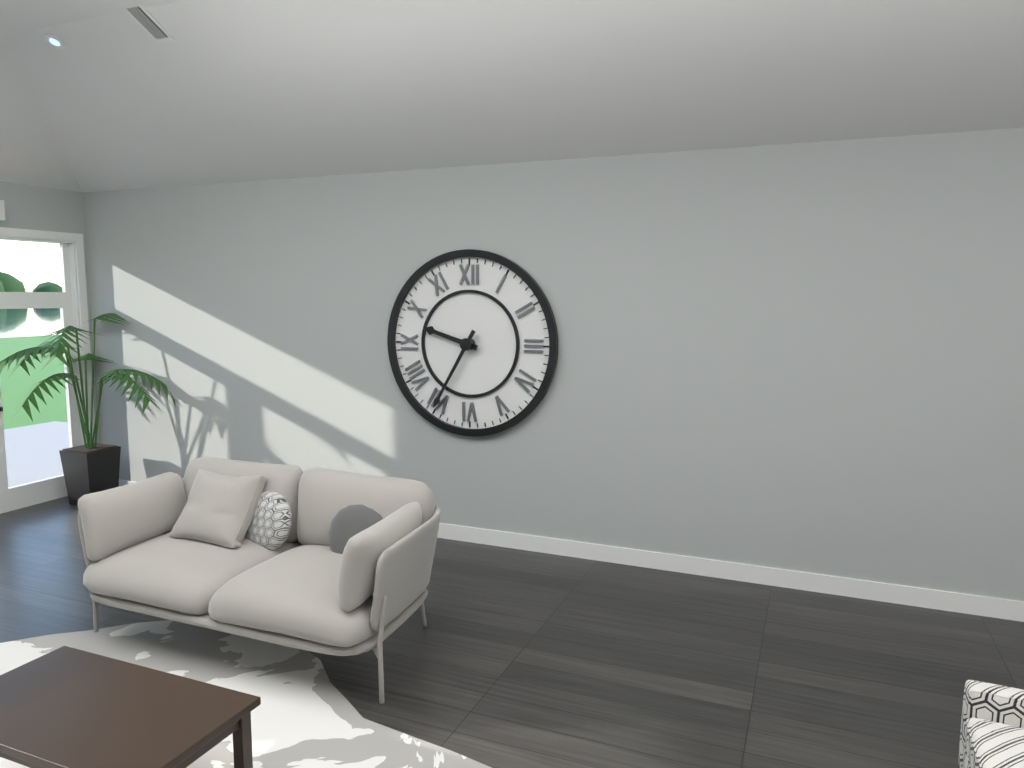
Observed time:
h=9 m=35
